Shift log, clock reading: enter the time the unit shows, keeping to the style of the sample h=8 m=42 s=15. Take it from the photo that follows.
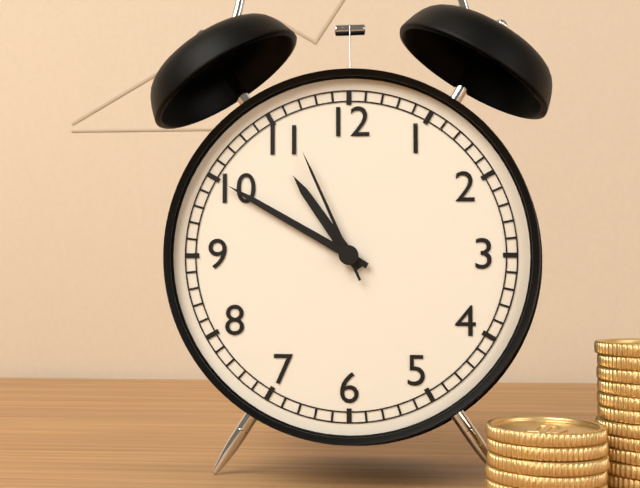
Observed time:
h=10 m=50 s=56
